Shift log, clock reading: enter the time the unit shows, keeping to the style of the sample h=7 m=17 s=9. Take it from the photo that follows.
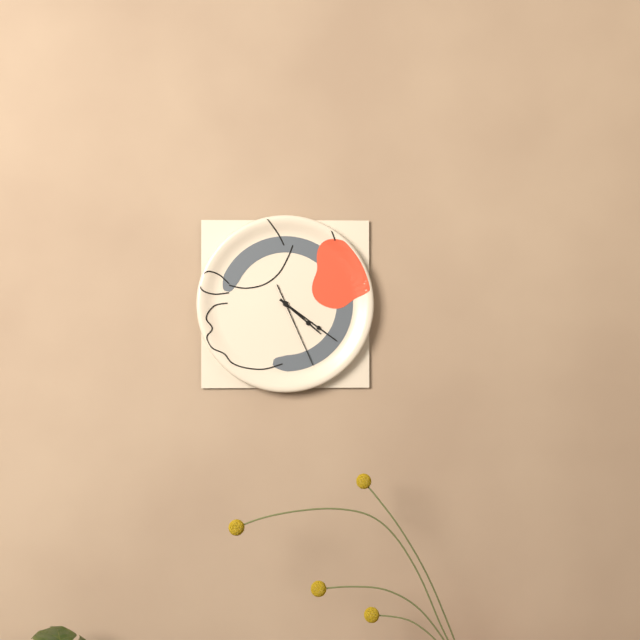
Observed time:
h=4 m=21 s=26
